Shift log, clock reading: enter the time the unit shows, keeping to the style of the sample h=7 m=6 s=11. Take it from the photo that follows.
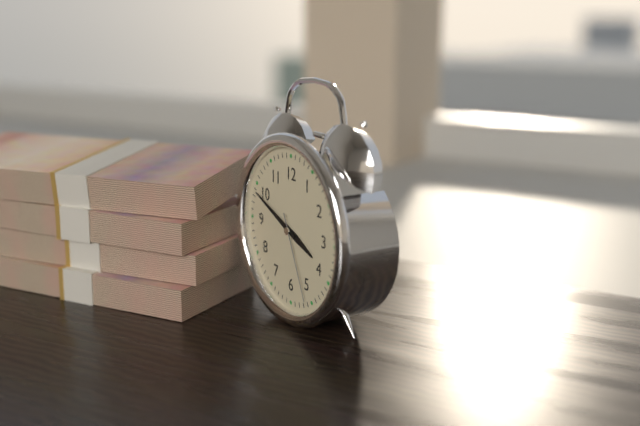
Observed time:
h=3 m=49 s=26
